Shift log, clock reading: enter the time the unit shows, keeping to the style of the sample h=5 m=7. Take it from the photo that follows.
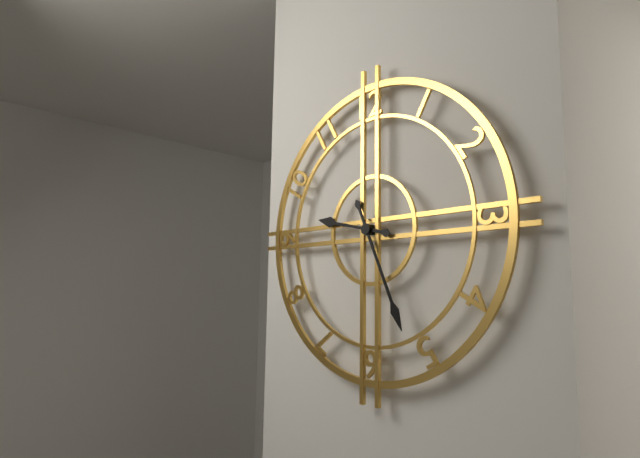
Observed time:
h=9 m=26
